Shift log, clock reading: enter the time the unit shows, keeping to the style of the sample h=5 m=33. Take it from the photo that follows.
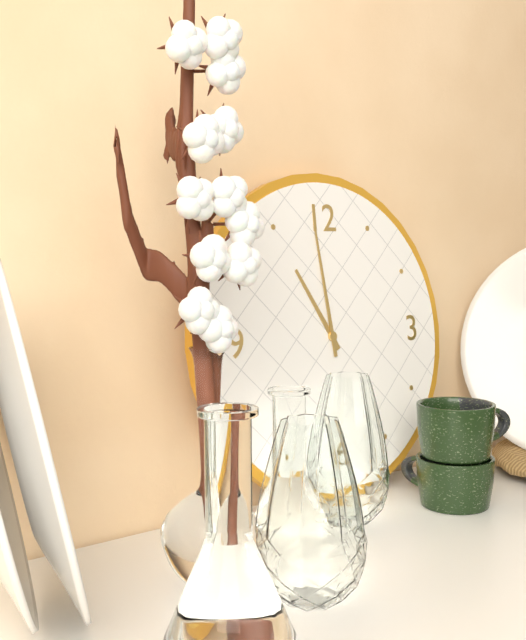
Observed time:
h=10 m=59
